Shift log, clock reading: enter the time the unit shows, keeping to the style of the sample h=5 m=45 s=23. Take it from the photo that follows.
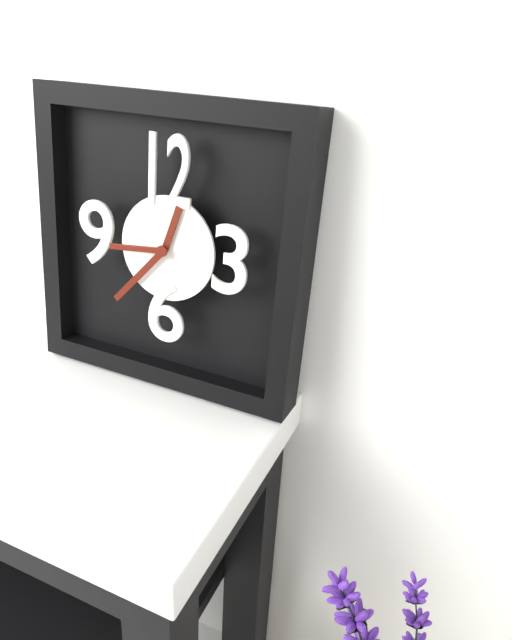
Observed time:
h=12 m=37 s=44
